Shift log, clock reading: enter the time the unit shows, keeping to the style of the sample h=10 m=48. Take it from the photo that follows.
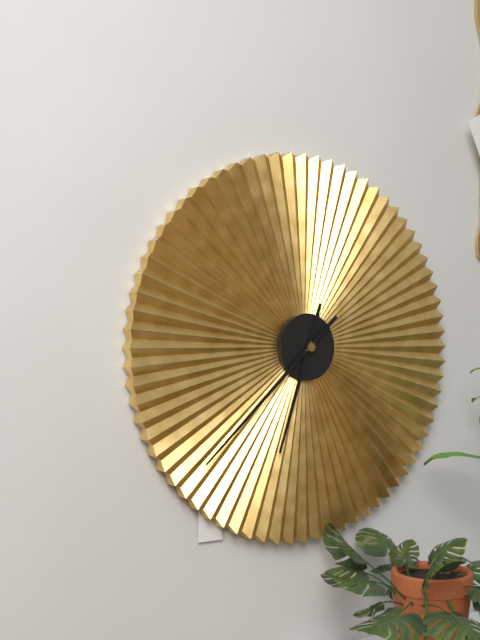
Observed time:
h=6 m=38
